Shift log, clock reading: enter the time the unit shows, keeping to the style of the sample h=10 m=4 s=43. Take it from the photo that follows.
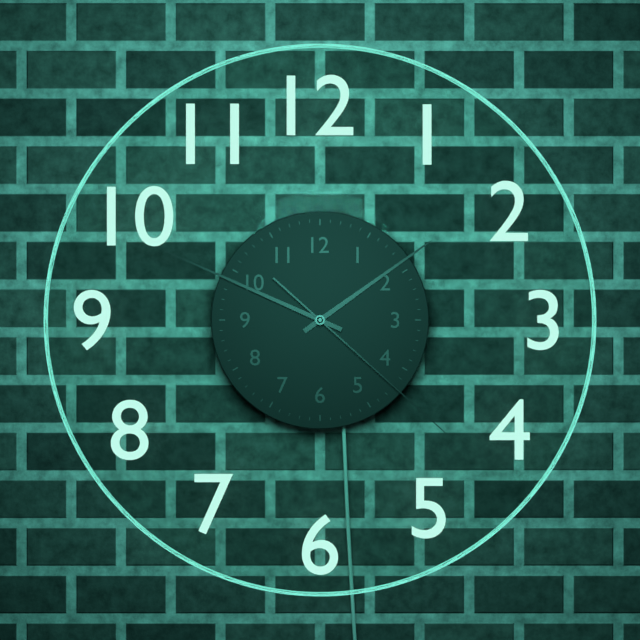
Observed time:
h=1 m=49 s=22
